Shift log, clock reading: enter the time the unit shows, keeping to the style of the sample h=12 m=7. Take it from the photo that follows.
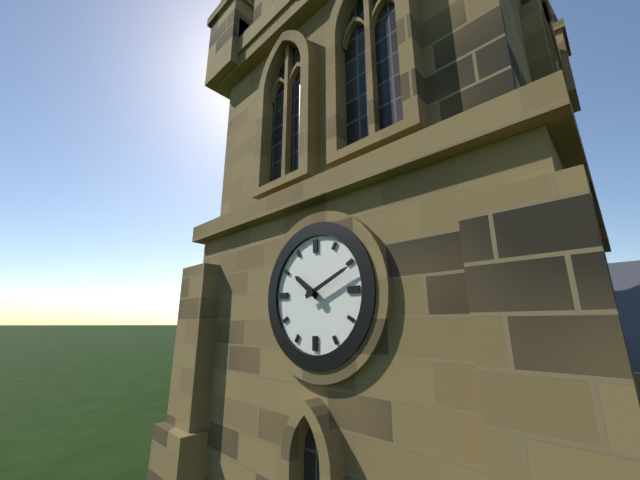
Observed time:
h=10 m=11
